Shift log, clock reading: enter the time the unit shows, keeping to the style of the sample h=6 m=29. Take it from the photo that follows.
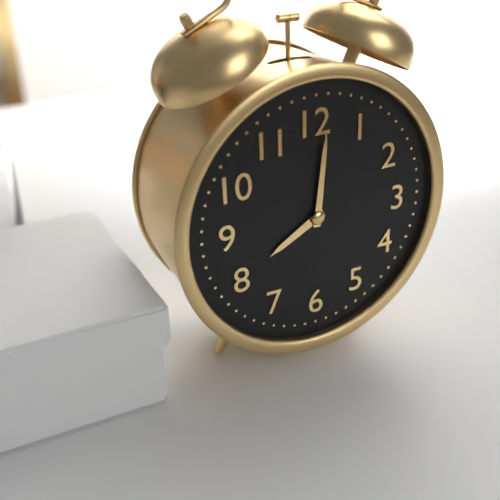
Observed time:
h=8 m=1
